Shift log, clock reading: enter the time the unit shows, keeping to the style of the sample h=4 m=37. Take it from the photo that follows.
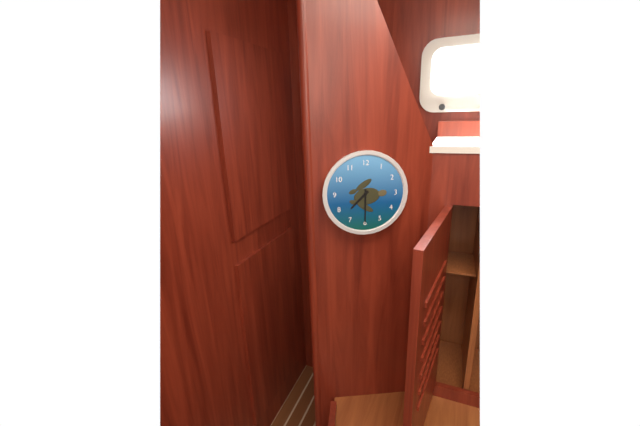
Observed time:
h=7 m=30
